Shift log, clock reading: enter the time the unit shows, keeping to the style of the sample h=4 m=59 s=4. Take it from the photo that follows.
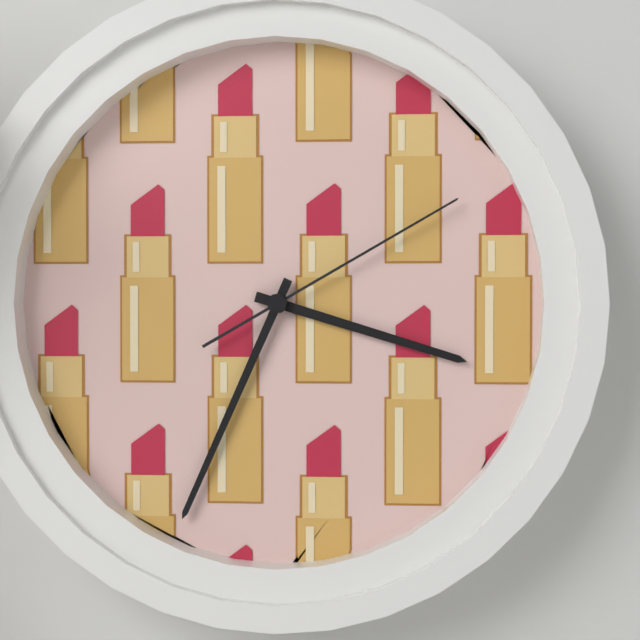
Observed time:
h=3 m=34 s=10
